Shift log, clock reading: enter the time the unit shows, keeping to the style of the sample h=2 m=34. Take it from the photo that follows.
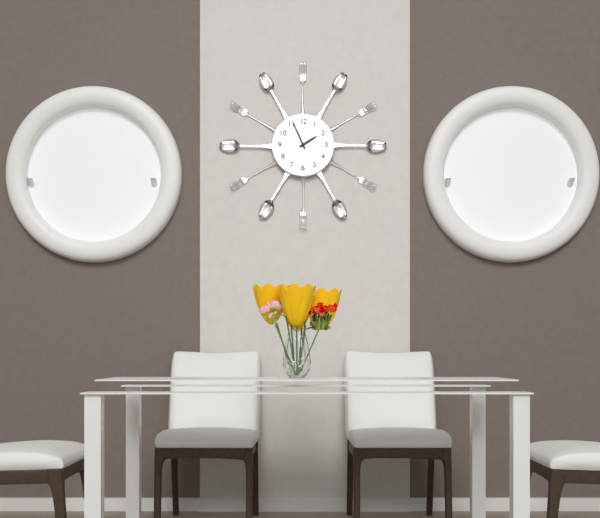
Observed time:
h=1 m=56
